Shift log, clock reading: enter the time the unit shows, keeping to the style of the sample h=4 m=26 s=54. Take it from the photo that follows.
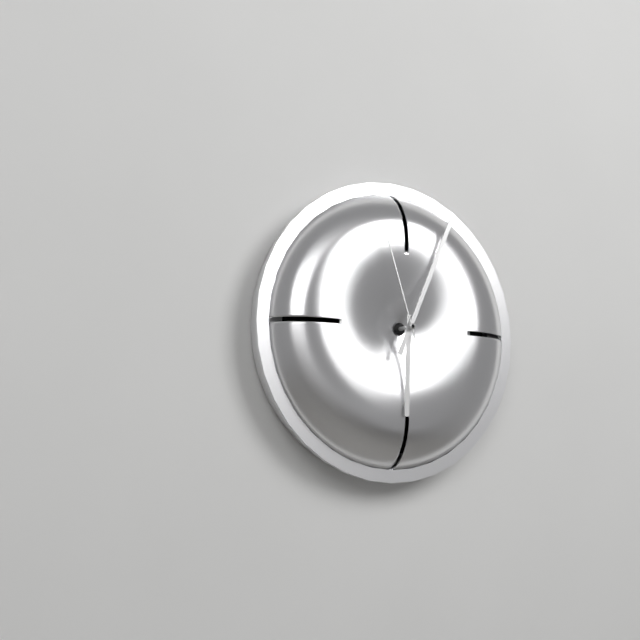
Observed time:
h=6 m=4 s=57
